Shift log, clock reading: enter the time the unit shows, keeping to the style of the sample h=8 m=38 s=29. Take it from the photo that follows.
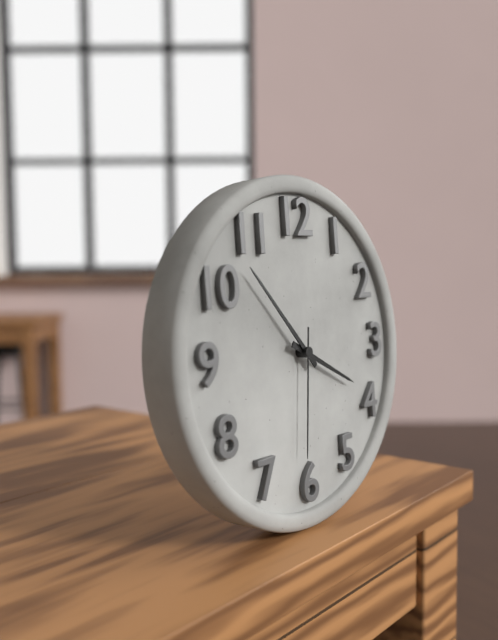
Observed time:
h=3 m=53 s=31
